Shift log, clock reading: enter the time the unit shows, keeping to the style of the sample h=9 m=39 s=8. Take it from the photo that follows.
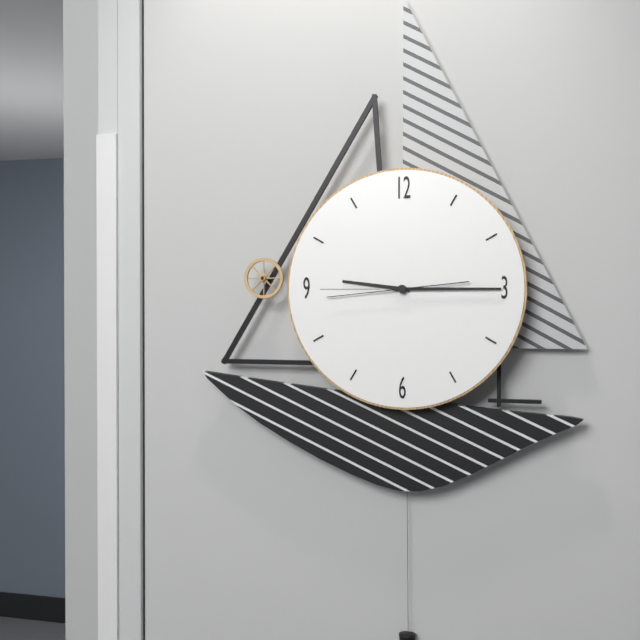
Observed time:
h=9 m=15 s=44
